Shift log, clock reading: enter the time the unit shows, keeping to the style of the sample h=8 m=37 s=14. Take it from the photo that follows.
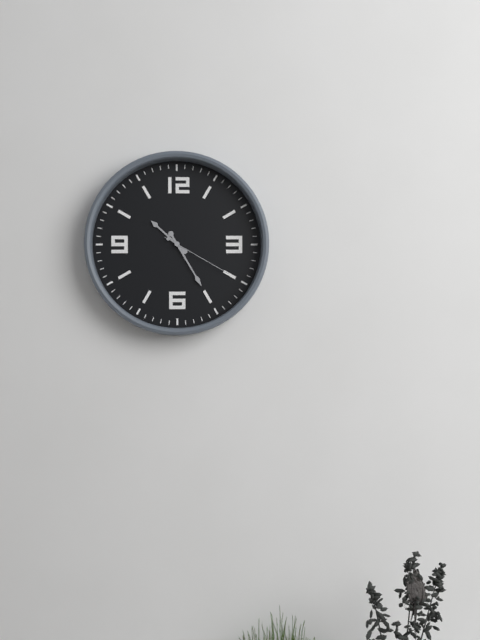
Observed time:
h=10 m=25 s=20
